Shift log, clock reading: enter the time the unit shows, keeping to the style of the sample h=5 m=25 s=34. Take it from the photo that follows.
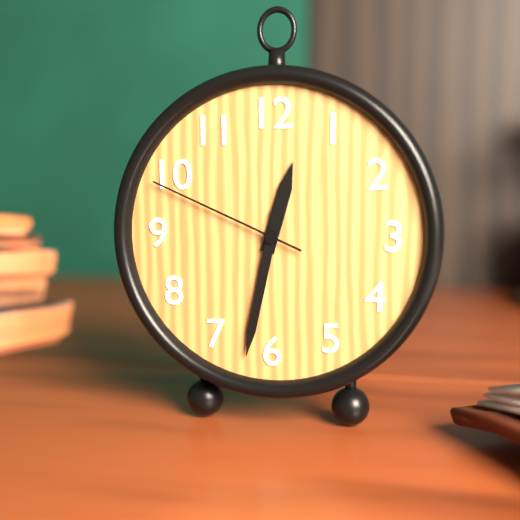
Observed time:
h=12 m=32 s=49
